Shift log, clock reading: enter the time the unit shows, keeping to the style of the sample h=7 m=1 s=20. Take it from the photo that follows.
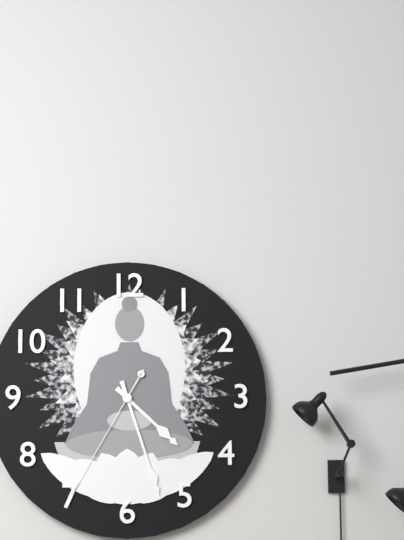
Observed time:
h=4 m=27 s=35
